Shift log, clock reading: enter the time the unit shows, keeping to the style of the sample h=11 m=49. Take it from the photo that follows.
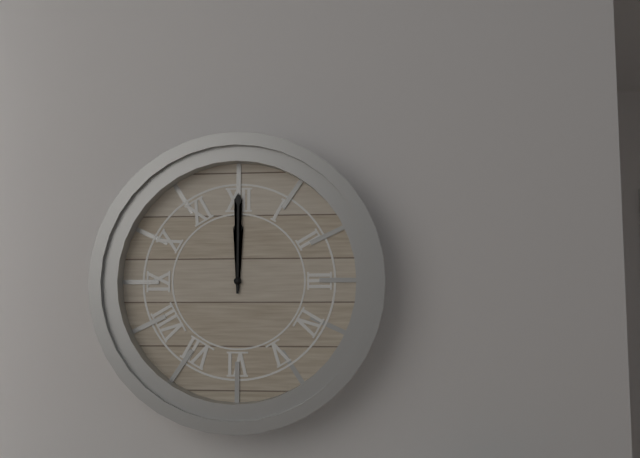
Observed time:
h=12 m=0
